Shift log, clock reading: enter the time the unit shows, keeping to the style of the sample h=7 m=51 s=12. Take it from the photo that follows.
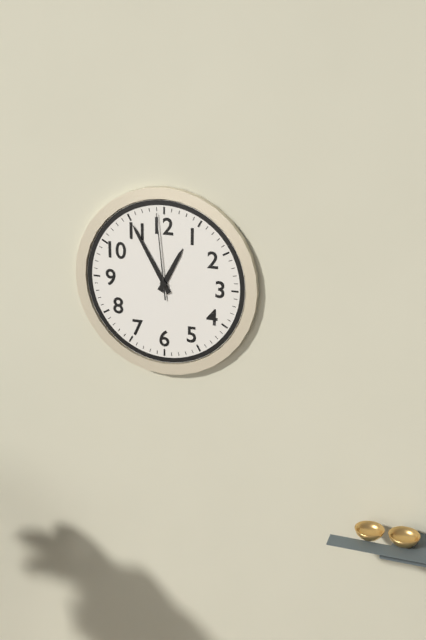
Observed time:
h=12 m=55 s=59
